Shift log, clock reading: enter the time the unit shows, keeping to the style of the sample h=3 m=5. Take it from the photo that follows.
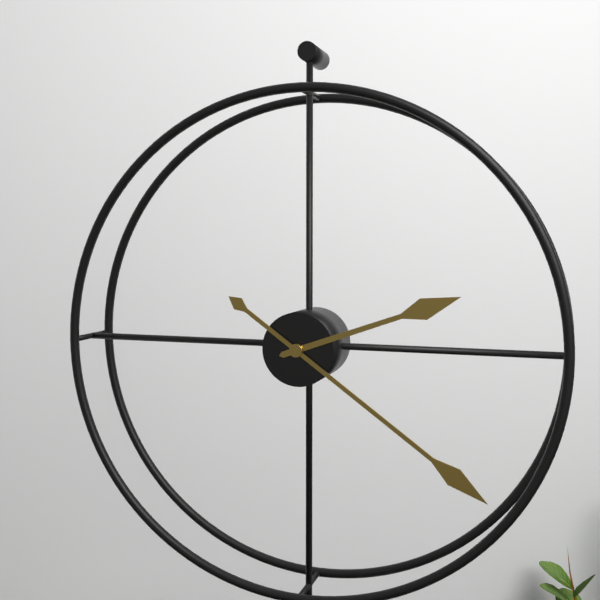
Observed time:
h=2 m=21
